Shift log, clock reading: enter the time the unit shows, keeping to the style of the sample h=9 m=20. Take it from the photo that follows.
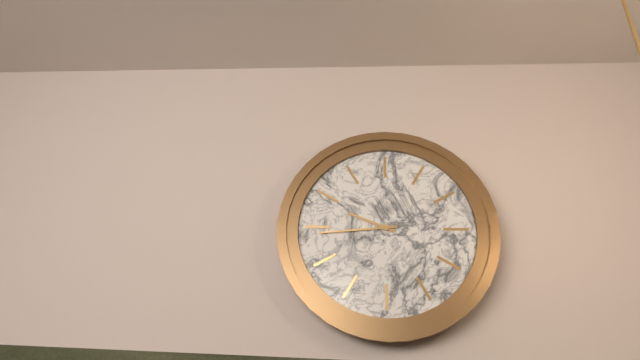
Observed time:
h=9 m=44
